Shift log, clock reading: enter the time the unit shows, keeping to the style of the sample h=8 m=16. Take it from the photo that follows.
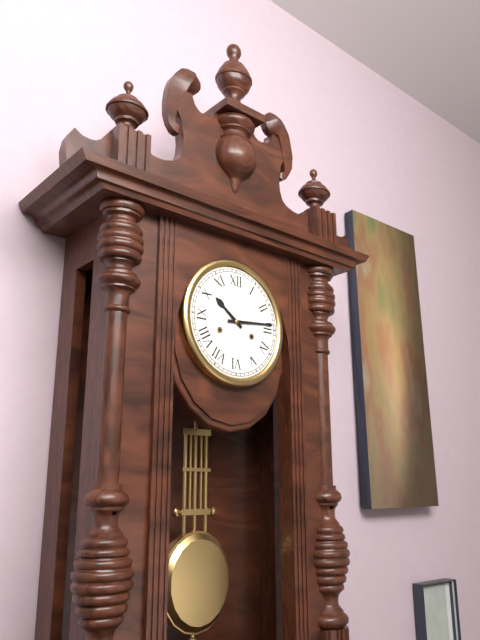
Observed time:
h=10 m=14
